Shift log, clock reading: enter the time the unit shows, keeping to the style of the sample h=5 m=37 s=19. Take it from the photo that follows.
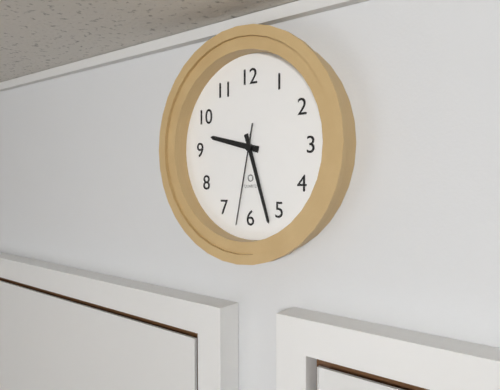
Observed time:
h=9 m=27 s=32
